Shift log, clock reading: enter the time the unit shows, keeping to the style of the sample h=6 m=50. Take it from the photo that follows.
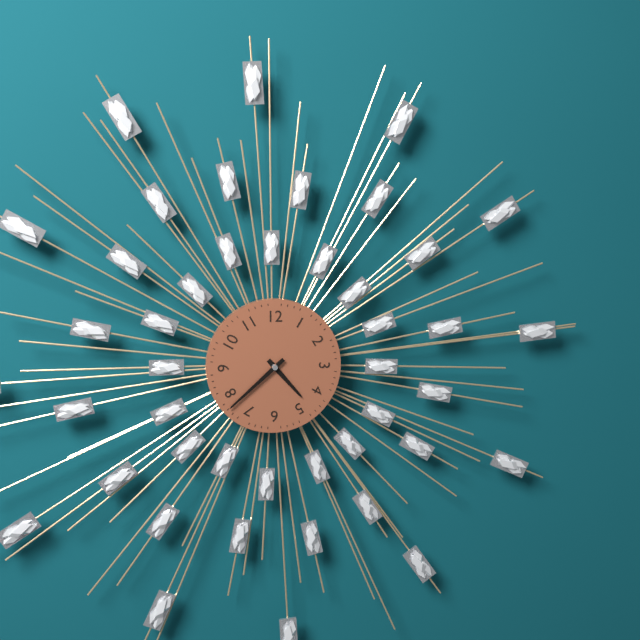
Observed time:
h=4 m=38
